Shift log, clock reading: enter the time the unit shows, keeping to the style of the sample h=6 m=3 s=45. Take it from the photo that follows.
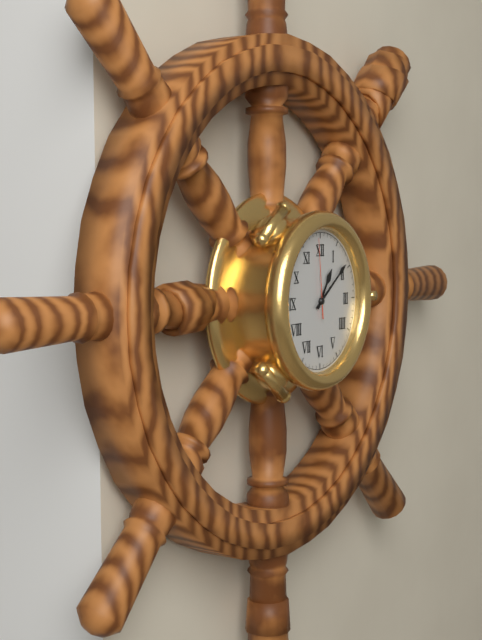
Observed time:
h=1 m=9 s=59
